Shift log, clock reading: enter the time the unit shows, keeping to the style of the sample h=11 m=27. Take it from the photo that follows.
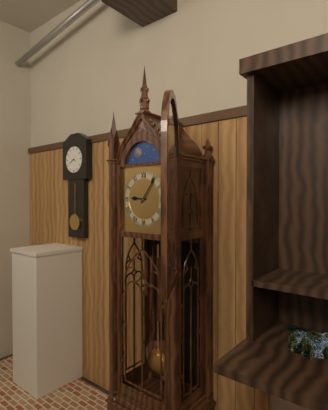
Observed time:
h=9 m=6
